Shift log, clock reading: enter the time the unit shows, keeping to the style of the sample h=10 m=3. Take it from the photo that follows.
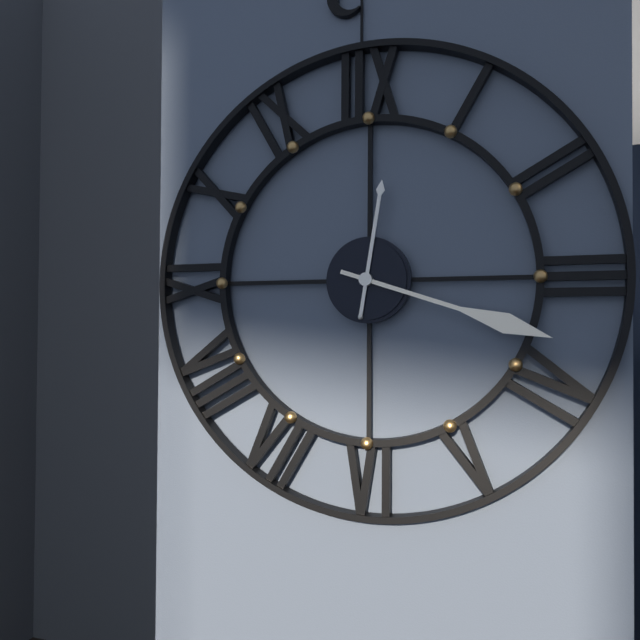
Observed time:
h=12 m=18
